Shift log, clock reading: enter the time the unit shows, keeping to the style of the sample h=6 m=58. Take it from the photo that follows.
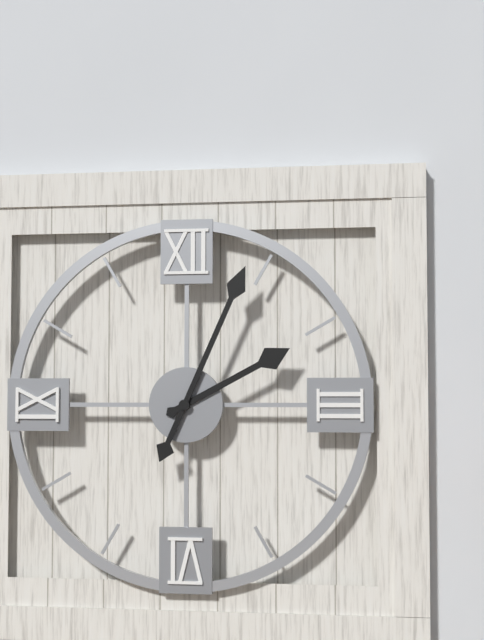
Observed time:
h=2 m=4
